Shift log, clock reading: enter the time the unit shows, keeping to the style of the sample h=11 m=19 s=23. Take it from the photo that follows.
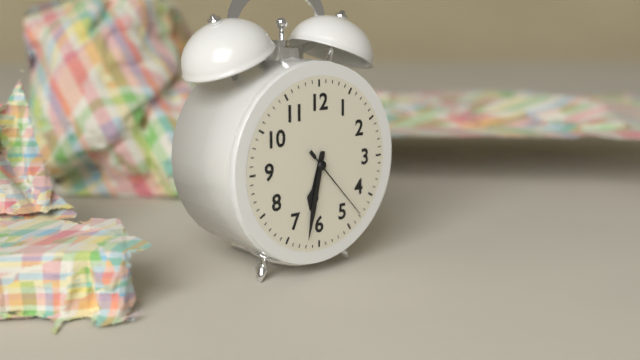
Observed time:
h=6 m=32 s=23
